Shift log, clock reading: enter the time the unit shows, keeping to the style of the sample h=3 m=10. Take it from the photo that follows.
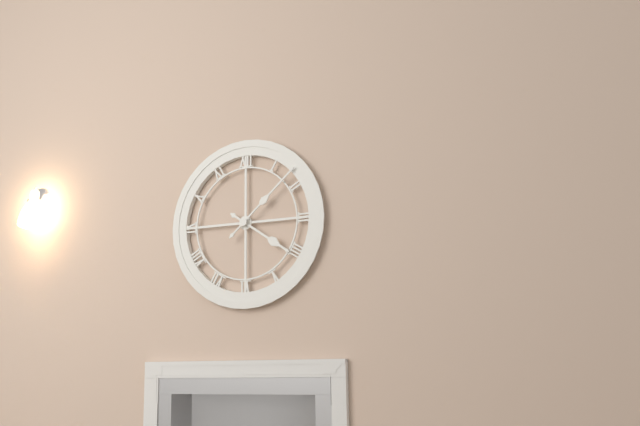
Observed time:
h=4 m=8
